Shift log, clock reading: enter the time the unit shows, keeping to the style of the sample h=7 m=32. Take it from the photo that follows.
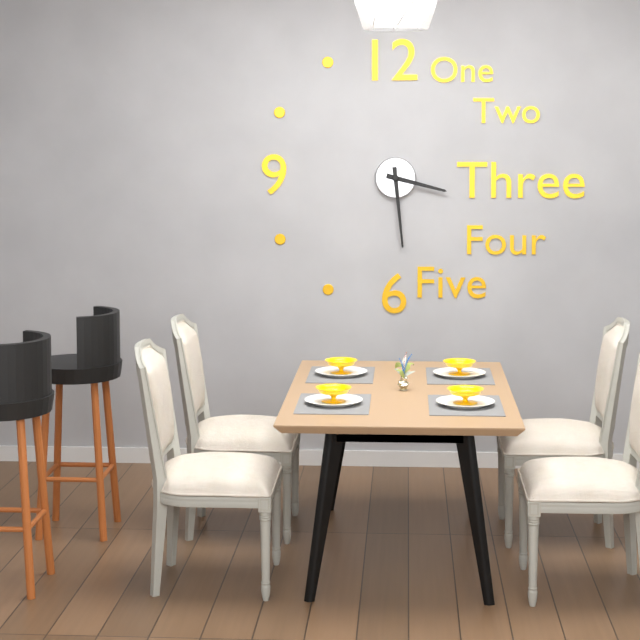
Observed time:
h=3 m=29
